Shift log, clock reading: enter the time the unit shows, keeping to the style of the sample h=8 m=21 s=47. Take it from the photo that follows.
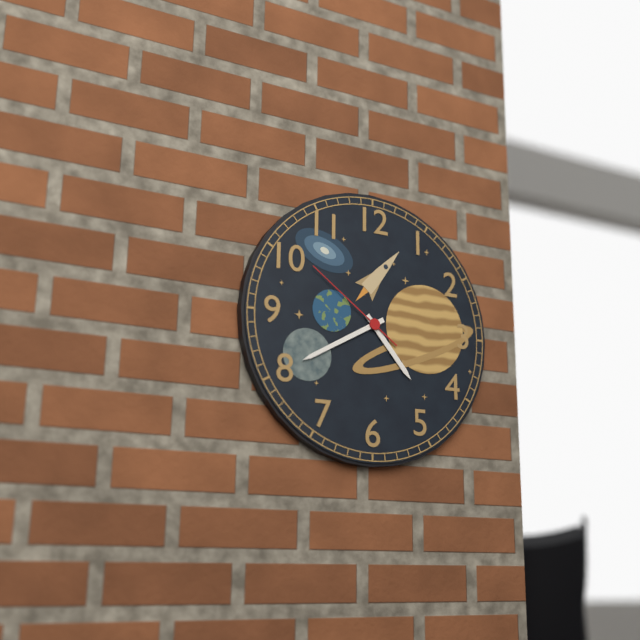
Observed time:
h=4 m=40 s=51
